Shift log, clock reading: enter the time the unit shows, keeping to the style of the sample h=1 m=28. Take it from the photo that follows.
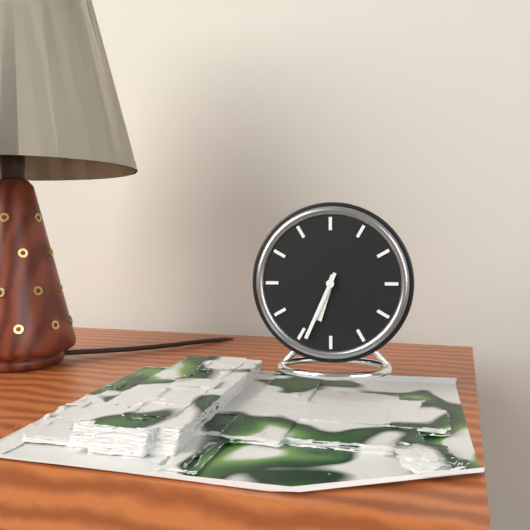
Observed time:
h=6 m=34
